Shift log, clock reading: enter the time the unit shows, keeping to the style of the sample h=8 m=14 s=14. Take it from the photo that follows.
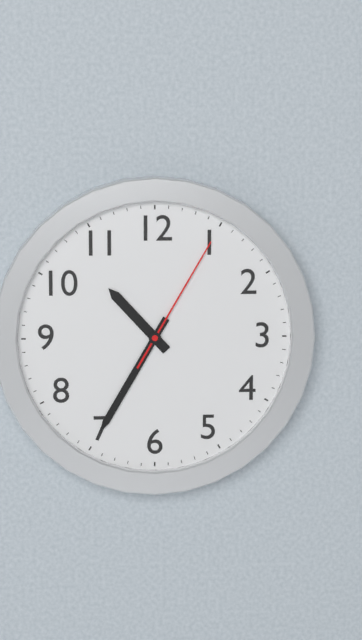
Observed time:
h=10 m=35 s=5
